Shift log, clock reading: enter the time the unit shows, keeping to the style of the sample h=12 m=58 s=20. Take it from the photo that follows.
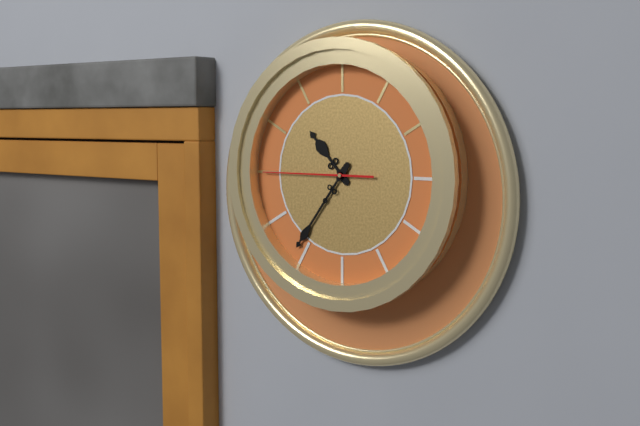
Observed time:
h=10 m=36 s=45
